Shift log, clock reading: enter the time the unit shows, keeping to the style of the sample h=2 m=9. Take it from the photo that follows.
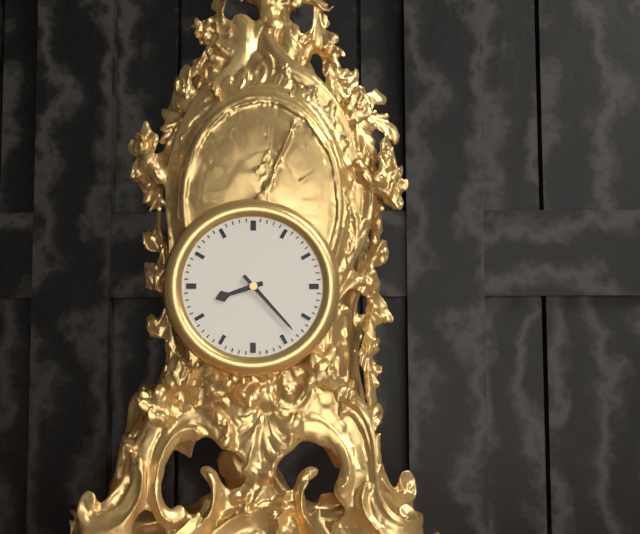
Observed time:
h=8 m=23
